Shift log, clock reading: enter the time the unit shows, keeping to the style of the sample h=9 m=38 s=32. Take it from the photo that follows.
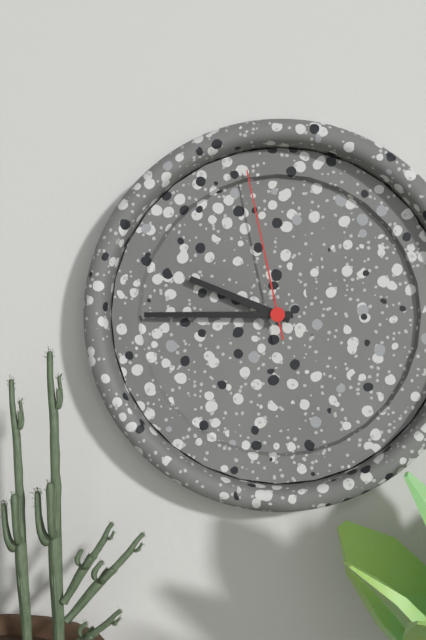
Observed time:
h=9 m=45 s=58
